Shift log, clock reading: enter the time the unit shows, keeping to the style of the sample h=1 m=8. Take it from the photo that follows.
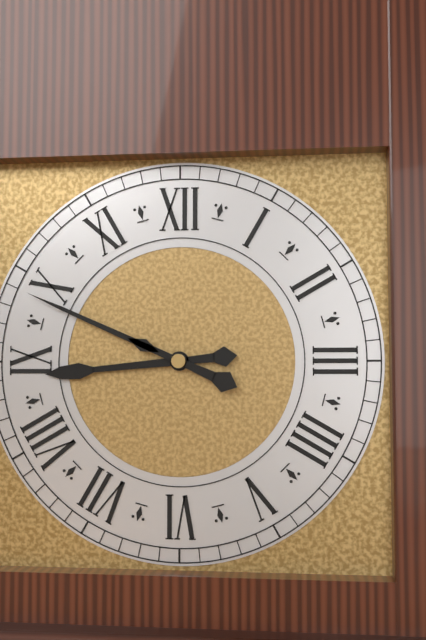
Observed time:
h=8 m=49
